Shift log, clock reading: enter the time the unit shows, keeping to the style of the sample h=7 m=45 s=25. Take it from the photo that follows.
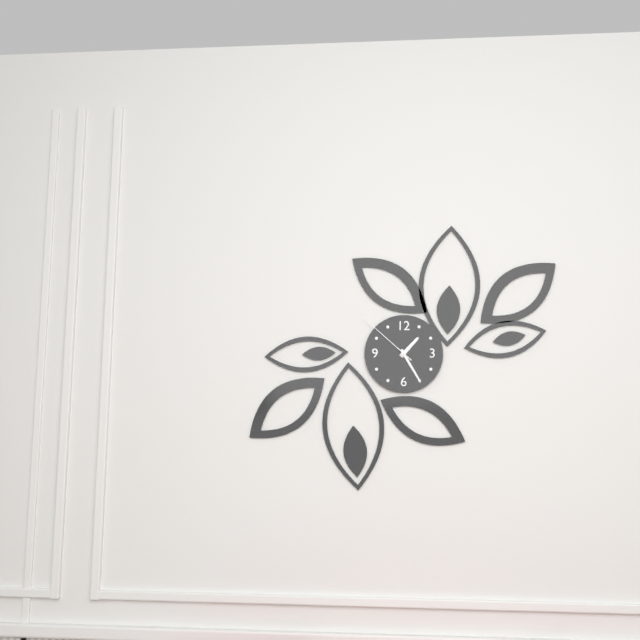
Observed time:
h=1 m=25 s=52
